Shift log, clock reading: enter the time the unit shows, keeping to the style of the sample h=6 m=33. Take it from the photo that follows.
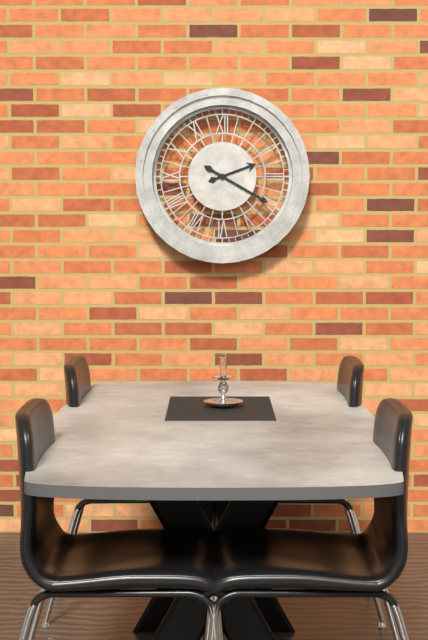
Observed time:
h=2 m=20
